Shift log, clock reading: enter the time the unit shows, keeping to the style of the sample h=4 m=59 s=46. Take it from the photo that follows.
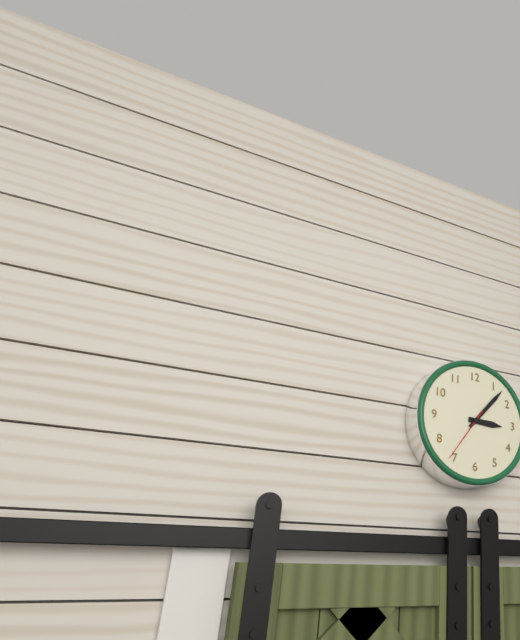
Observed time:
h=3 m=7 s=36
